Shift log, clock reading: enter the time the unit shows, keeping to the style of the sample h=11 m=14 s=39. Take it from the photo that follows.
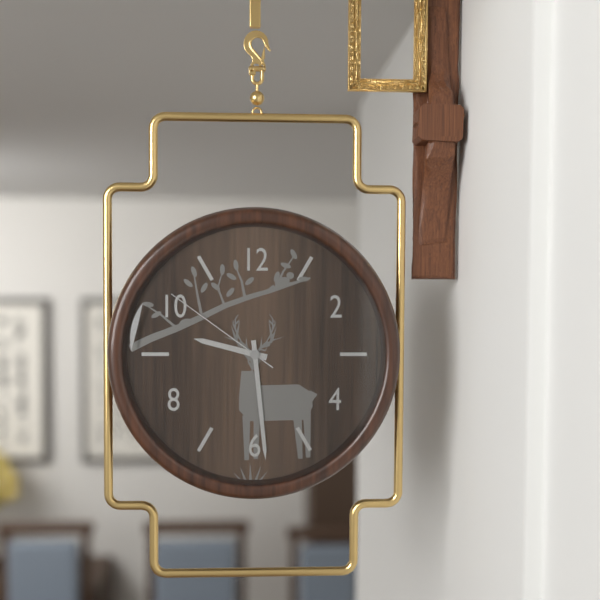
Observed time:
h=9 m=29 s=51
